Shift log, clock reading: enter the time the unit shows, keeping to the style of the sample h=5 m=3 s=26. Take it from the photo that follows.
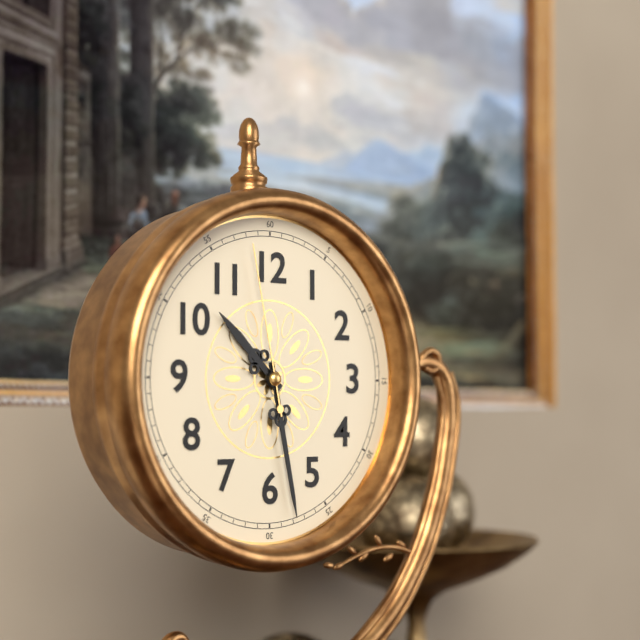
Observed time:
h=10 m=28 s=58
